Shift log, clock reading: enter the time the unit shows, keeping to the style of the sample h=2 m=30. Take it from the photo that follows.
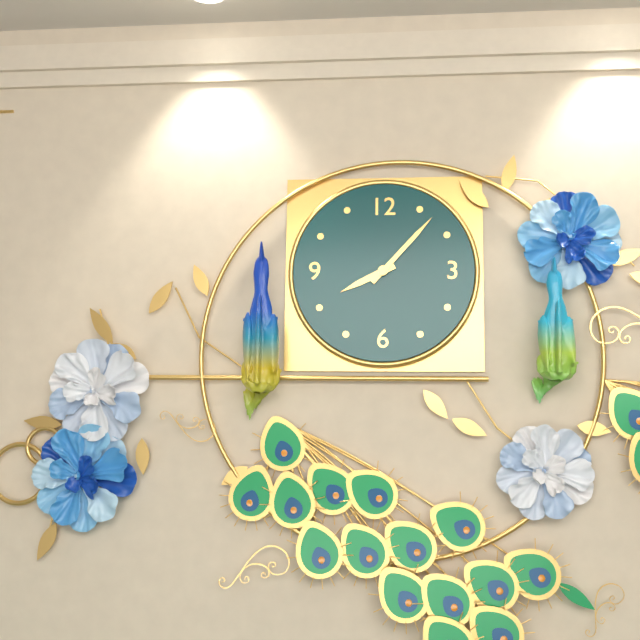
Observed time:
h=8 m=7
